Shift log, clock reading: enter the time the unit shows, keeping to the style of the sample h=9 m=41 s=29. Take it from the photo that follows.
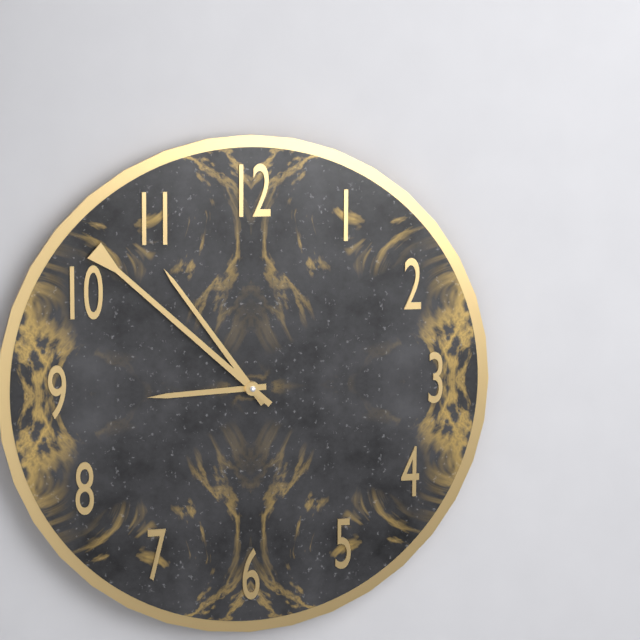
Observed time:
h=8 m=54 s=52
